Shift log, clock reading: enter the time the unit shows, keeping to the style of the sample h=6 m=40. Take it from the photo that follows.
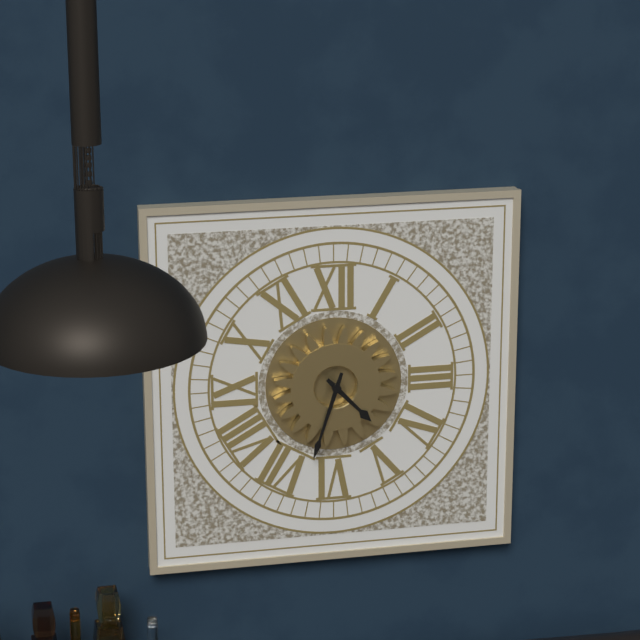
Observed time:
h=4 m=33
